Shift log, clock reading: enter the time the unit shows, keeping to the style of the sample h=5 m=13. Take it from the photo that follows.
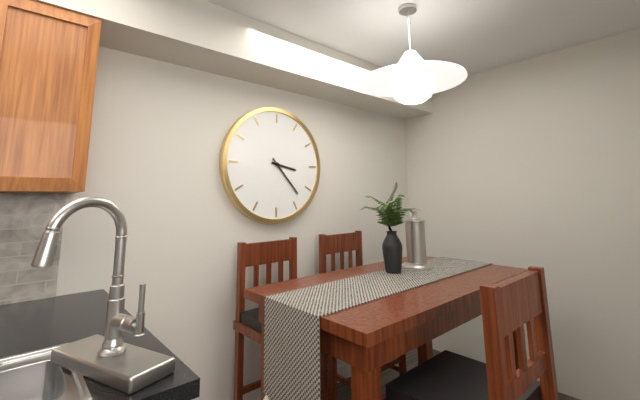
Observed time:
h=3 m=23
